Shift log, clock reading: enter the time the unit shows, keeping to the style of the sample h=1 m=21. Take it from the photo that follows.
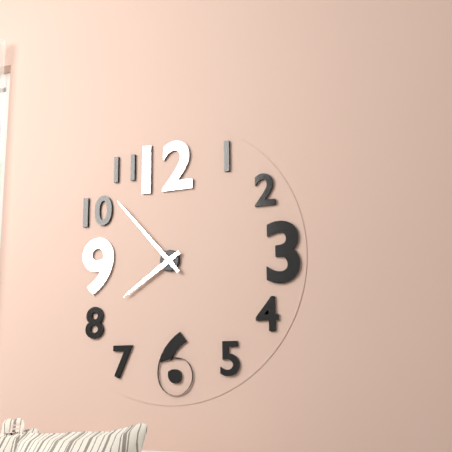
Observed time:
h=7 m=53
